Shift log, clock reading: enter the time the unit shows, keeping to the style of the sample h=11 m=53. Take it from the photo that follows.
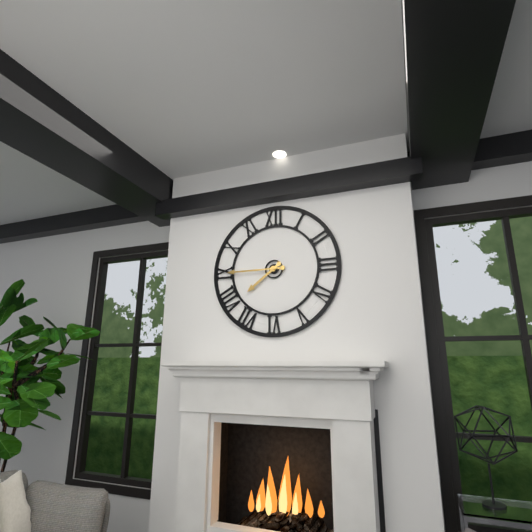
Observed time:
h=7 m=45
